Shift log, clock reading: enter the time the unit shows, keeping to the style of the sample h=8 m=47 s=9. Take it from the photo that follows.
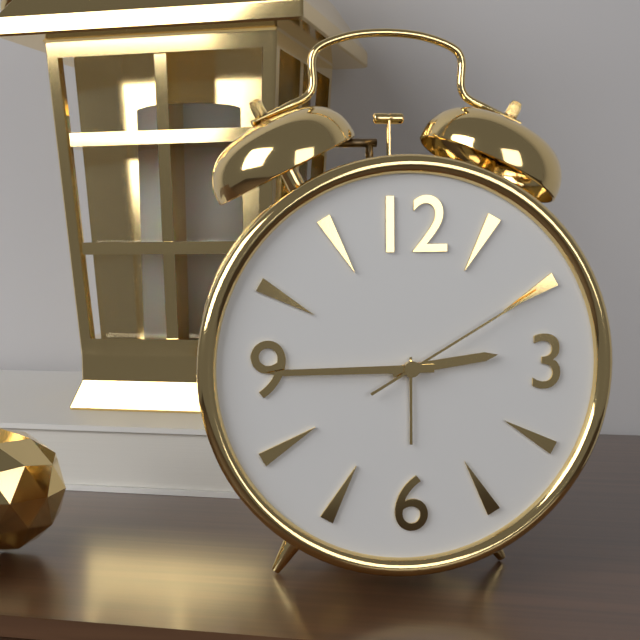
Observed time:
h=2 m=45 s=10
